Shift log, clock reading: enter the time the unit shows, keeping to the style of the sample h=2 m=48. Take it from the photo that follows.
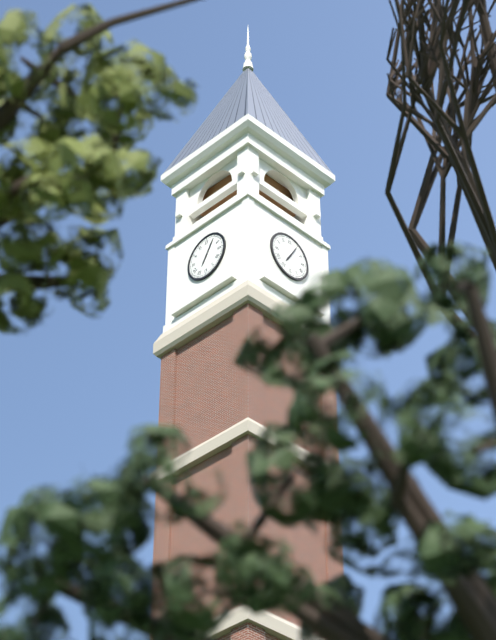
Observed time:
h=7 m=5
